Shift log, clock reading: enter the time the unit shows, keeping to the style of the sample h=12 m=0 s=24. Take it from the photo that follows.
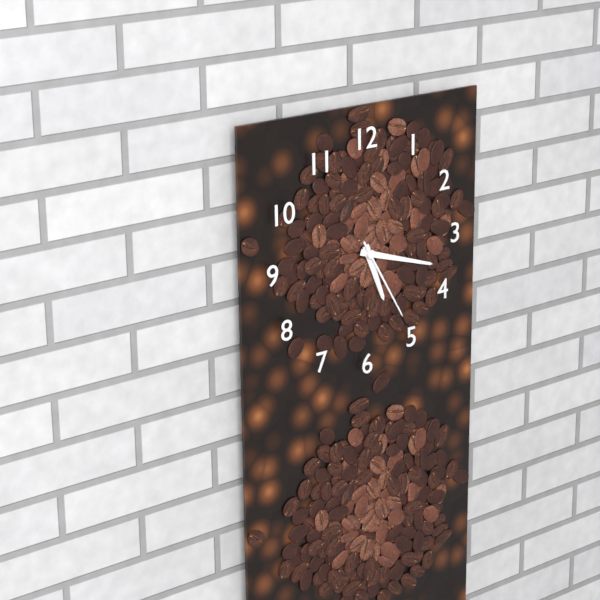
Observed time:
h=5 m=18 s=25
